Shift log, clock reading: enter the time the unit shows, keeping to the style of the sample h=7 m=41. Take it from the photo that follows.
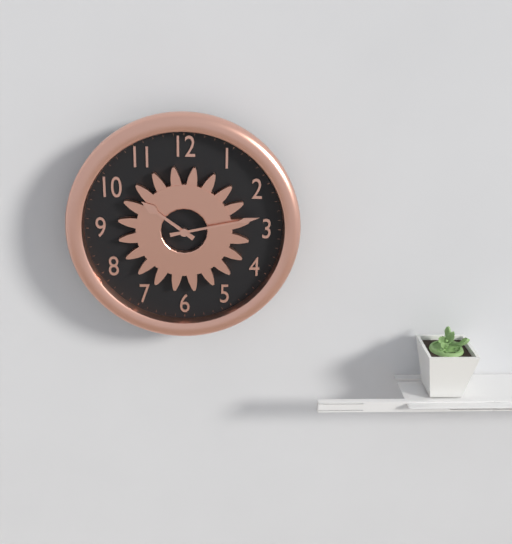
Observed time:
h=10 m=13
